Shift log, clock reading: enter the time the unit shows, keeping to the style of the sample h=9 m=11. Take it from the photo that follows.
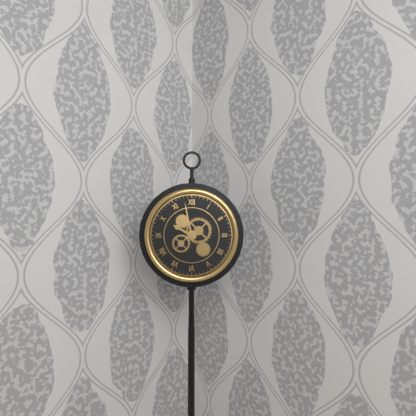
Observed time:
h=9 m=58
